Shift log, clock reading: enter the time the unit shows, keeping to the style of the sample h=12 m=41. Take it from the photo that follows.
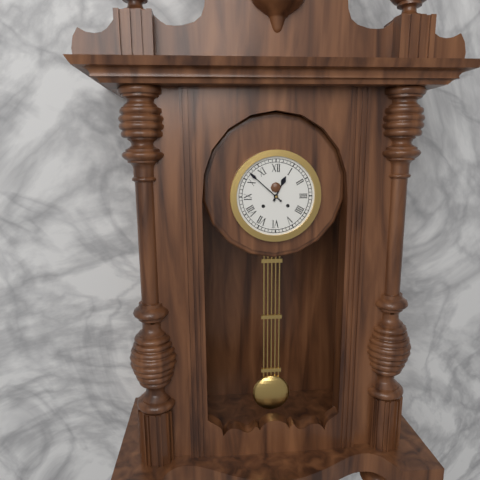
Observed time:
h=12 m=52
